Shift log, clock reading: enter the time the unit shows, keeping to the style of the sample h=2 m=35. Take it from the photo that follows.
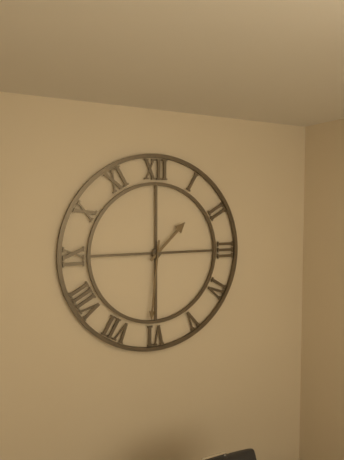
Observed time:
h=1 m=31
